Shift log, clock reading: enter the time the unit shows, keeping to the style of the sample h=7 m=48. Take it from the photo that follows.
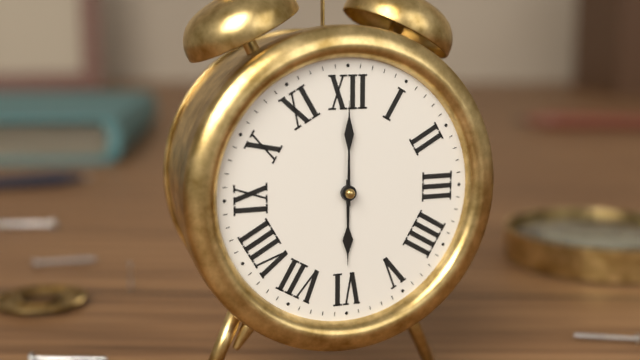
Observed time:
h=6 m=0
